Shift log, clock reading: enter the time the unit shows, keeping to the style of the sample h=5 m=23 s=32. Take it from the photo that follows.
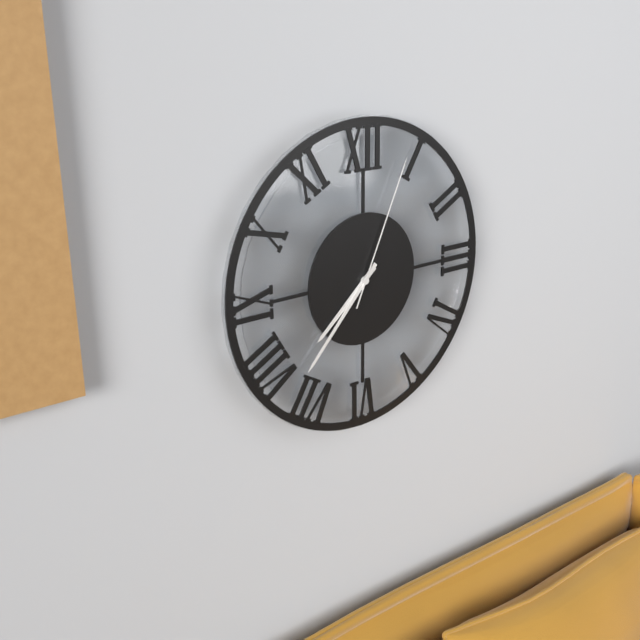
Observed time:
h=7 m=37 s=4
